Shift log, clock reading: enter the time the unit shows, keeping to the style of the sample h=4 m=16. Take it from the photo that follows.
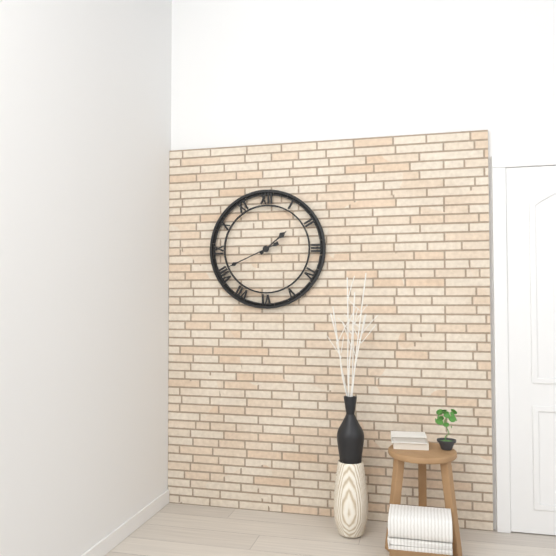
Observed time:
h=1 m=41
